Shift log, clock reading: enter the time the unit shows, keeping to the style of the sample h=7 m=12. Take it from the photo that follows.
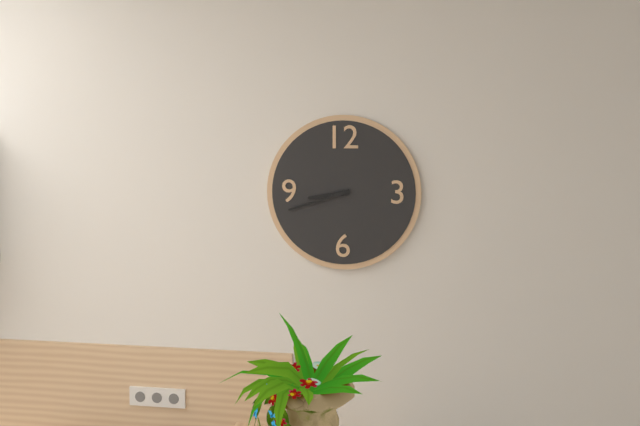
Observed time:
h=8 m=42
